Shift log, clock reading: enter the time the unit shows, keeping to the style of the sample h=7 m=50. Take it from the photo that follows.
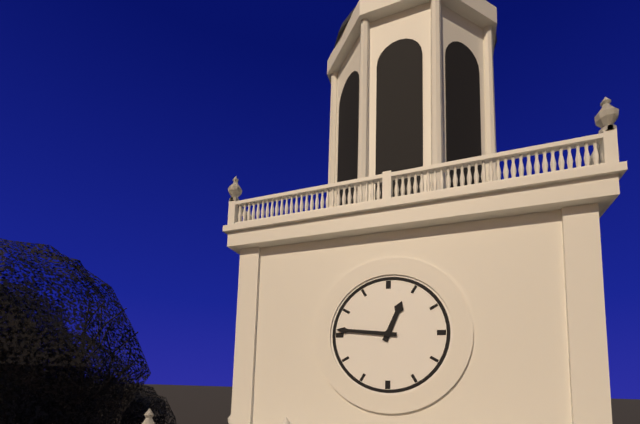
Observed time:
h=12 m=46
